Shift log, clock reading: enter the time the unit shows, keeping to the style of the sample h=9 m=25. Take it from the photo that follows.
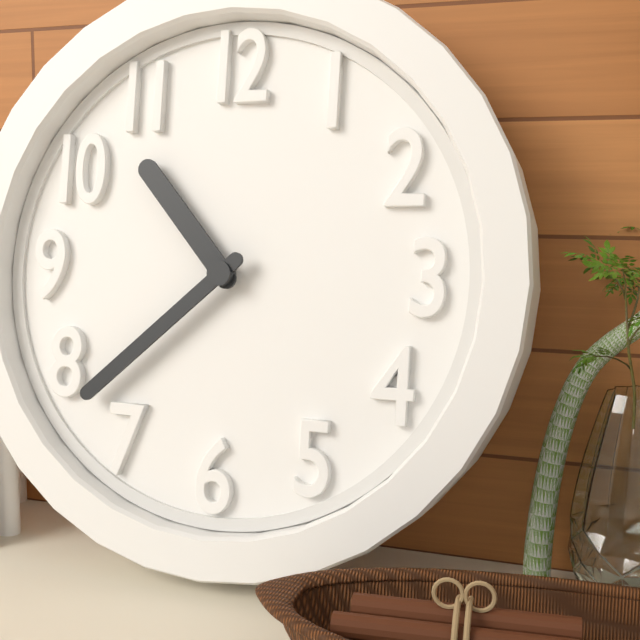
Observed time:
h=10 m=38
